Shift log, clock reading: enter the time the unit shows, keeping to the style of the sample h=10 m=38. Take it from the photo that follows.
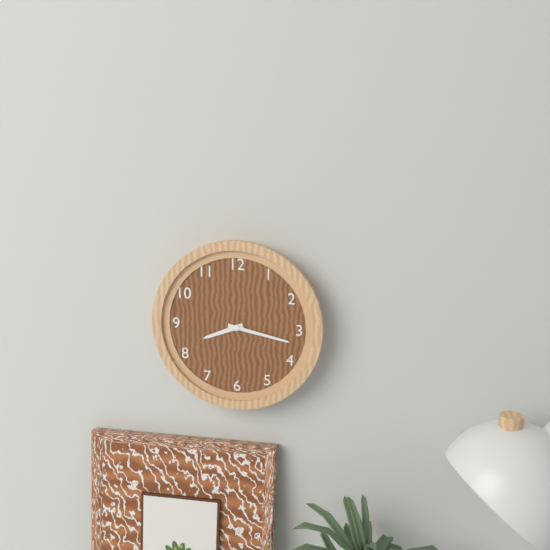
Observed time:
h=8 m=17
